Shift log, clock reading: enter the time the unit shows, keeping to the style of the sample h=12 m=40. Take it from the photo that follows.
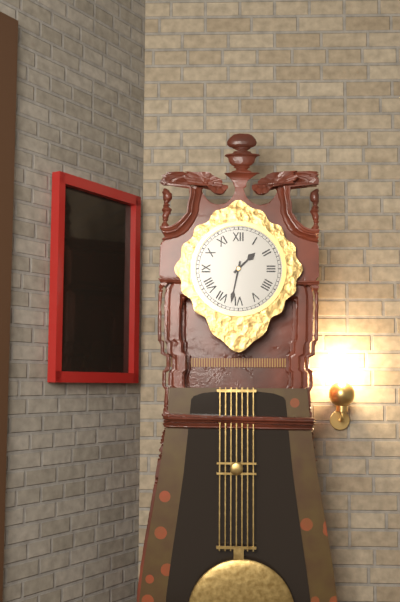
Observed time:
h=1 m=32
